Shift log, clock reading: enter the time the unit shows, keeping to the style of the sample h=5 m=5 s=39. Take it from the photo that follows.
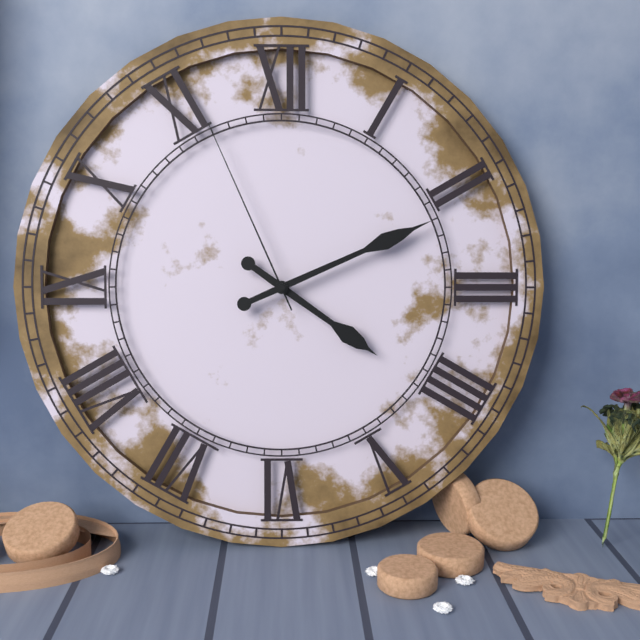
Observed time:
h=4 m=11 s=56
